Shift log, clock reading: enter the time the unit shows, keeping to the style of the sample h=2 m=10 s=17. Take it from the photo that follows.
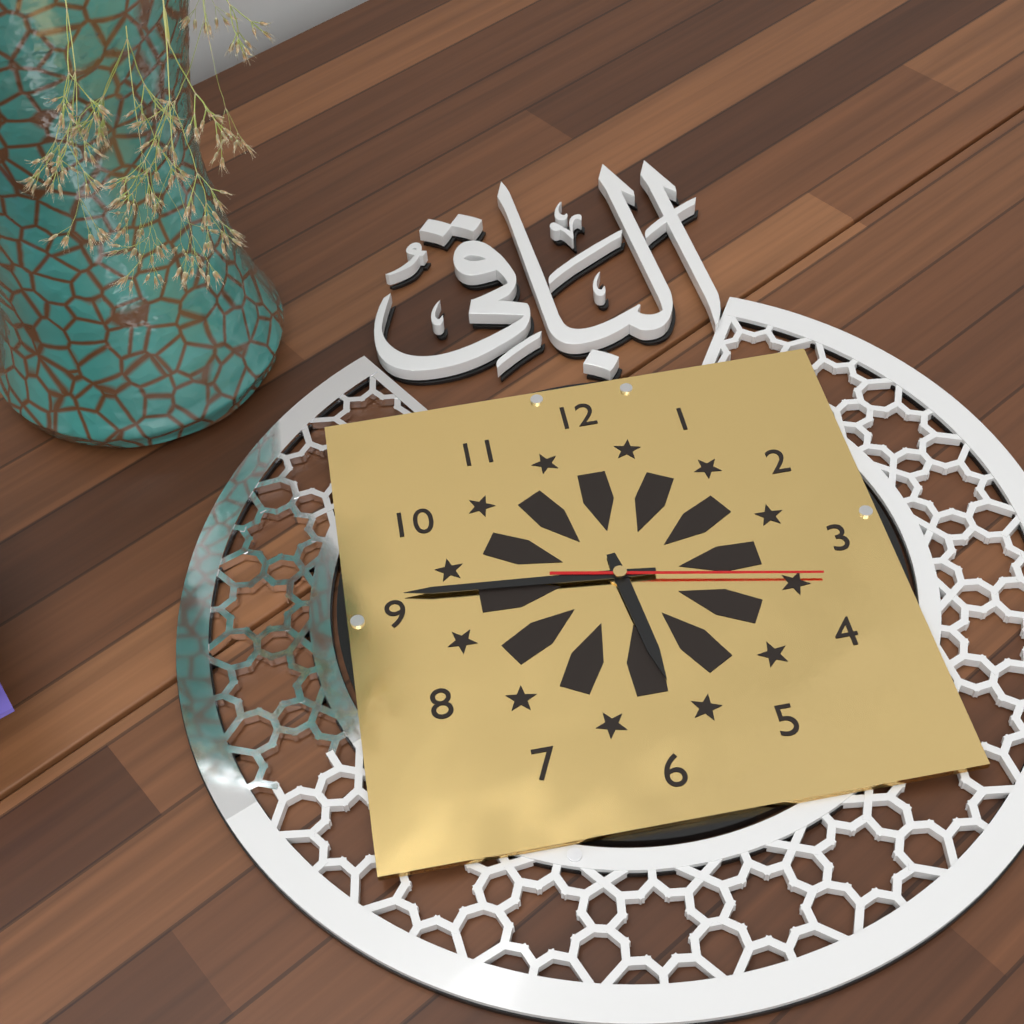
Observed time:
h=5 m=46 s=17
